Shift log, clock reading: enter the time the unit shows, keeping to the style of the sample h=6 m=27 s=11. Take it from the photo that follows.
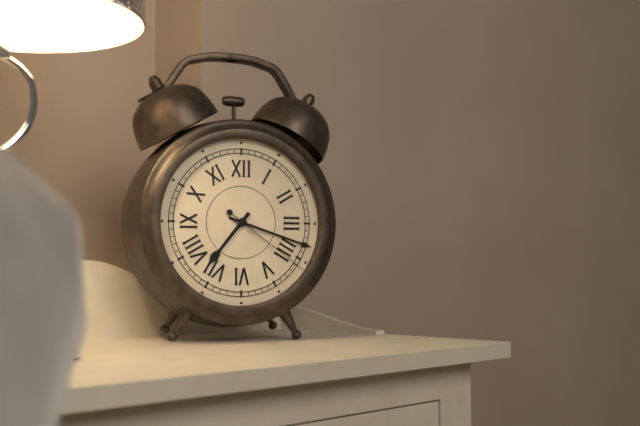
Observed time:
h=7 m=18 s=21
